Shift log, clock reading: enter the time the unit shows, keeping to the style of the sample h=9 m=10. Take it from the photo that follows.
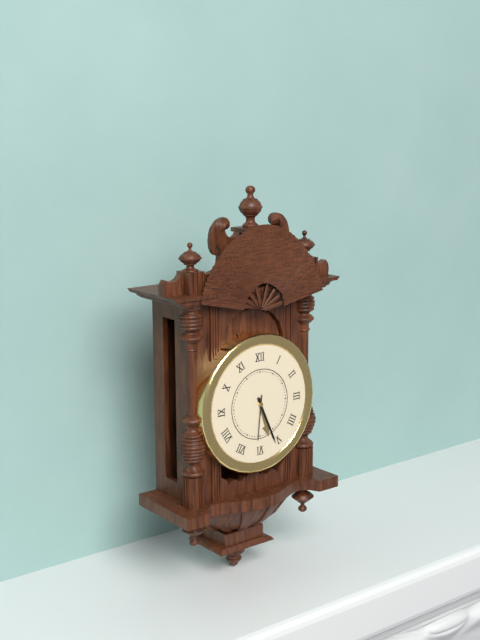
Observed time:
h=5 m=26
